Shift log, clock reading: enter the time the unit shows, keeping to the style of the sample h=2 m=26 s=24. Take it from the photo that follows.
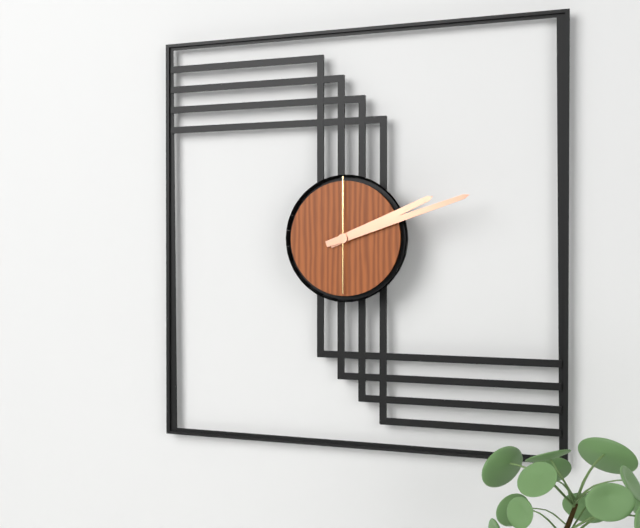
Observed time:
h=2 m=12 s=0
